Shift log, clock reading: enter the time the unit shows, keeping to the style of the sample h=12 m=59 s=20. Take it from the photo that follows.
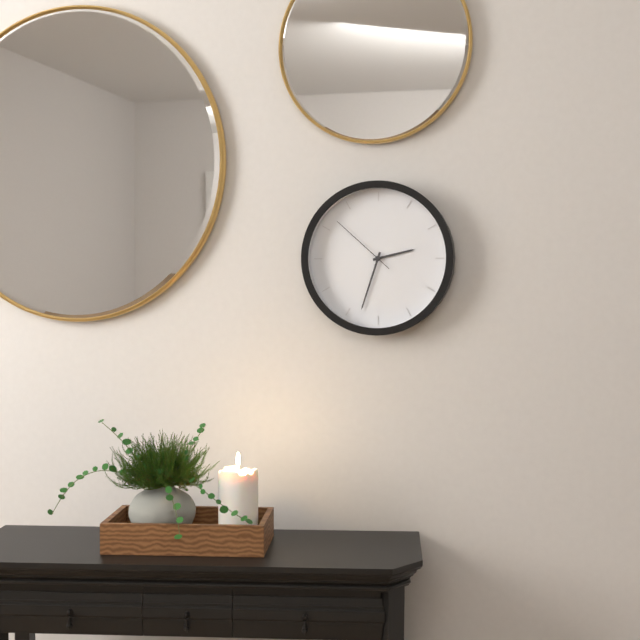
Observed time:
h=2 m=33 s=52
